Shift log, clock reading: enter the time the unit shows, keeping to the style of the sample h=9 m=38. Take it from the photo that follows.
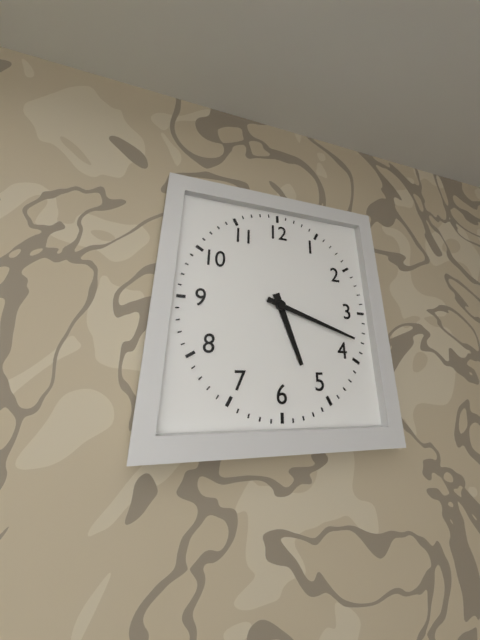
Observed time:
h=5 m=18
